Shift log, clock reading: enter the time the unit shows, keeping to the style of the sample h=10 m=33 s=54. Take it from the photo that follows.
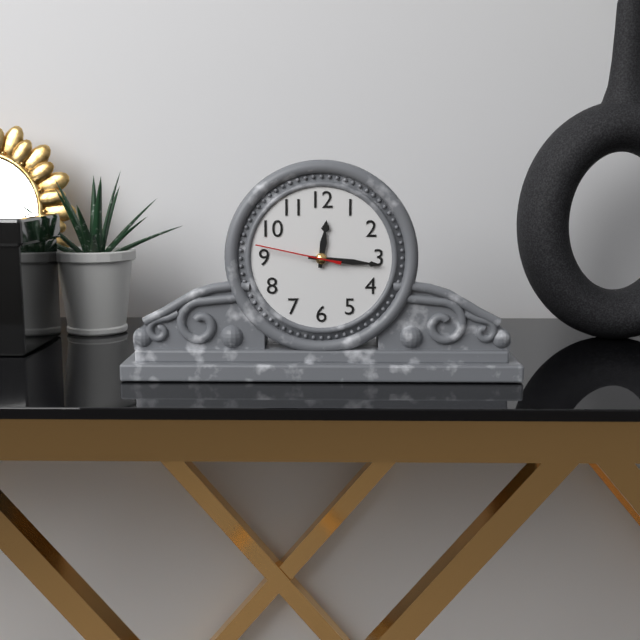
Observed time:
h=12 m=16 s=47
